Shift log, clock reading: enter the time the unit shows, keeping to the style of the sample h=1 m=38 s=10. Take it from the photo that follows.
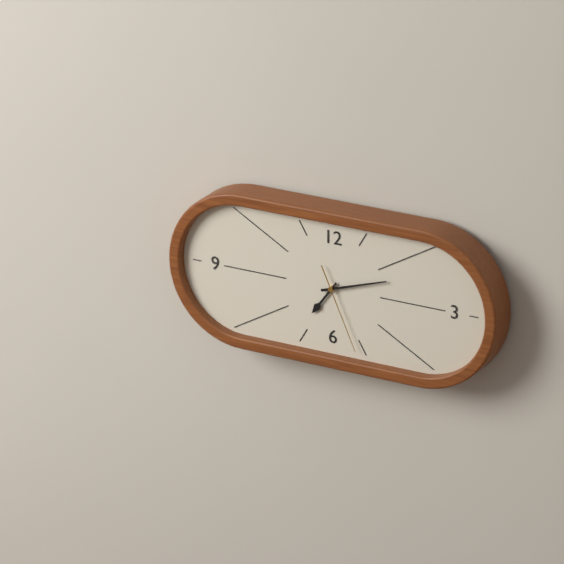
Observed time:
h=7 m=12 s=26
